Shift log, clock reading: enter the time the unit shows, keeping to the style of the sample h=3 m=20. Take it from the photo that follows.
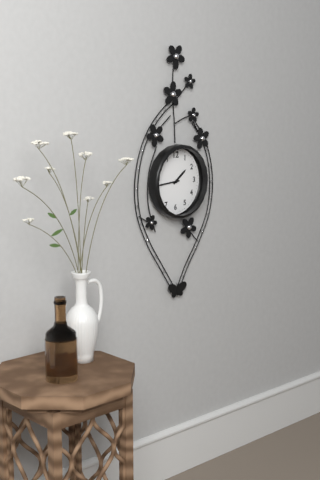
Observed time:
h=1 m=44
